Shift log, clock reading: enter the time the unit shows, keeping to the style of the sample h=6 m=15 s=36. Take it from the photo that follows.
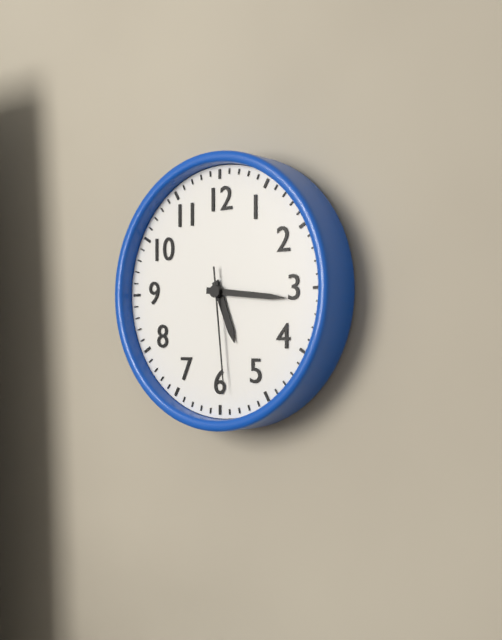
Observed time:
h=5 m=16 s=29
